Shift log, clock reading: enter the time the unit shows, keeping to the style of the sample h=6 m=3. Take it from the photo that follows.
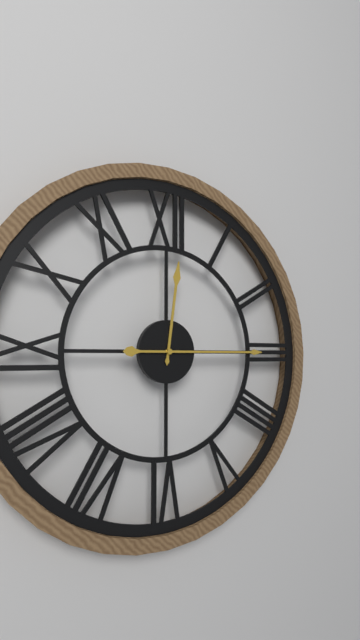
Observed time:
h=12 m=15
